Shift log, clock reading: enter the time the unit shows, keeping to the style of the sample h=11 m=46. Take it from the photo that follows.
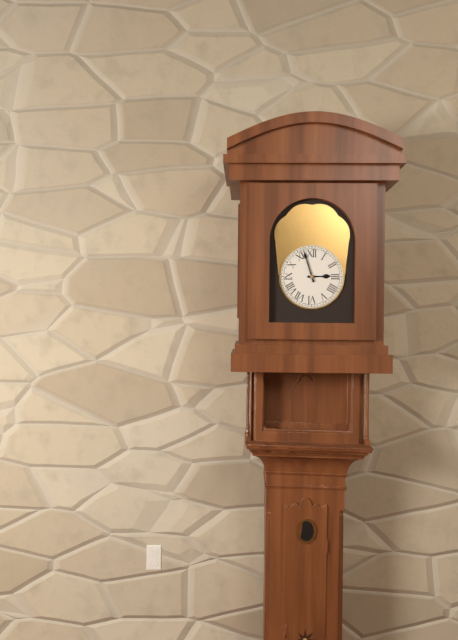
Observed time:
h=2 m=57
